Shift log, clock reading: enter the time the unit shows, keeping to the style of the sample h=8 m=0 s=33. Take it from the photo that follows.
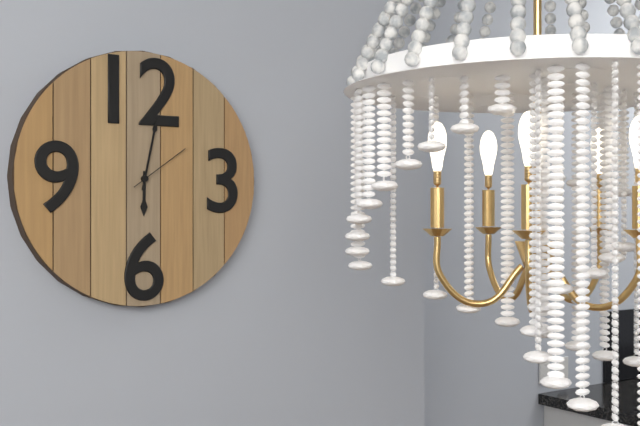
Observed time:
h=6 m=2 s=9
